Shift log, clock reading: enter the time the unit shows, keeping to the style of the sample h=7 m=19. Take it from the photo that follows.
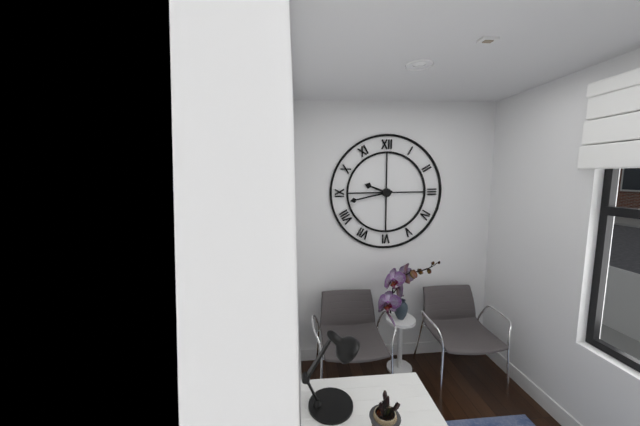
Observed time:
h=9 m=43
